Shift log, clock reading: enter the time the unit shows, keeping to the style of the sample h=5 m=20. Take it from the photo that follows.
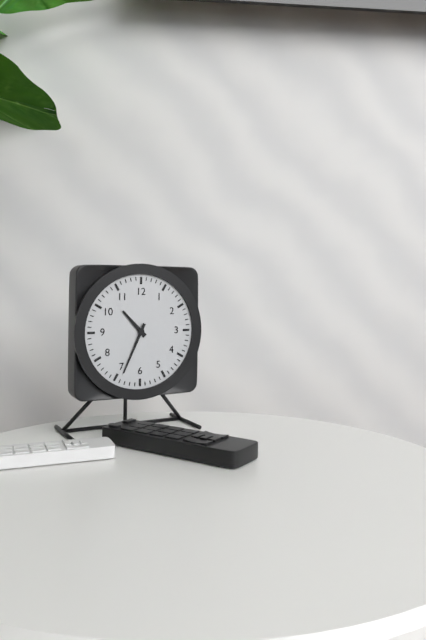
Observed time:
h=10 m=34
